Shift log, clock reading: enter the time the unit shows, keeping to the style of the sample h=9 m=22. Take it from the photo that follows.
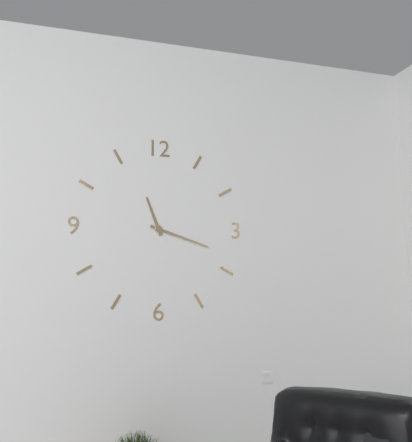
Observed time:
h=11 m=18
